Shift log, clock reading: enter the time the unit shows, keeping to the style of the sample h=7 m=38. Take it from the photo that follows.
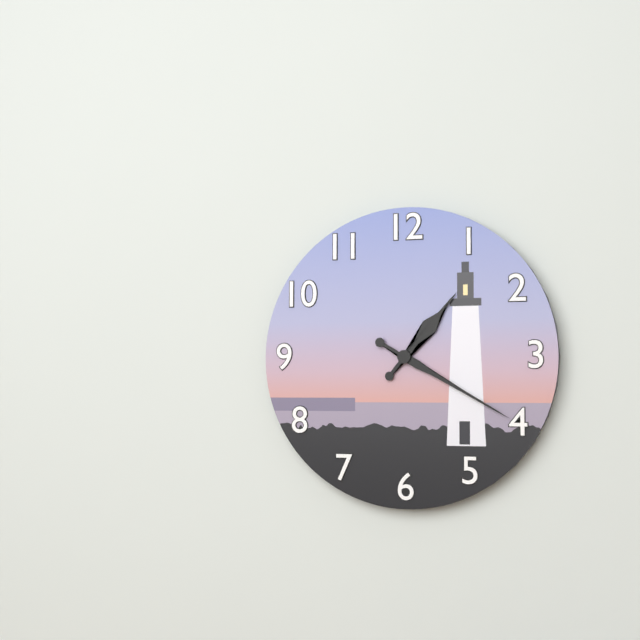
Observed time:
h=1 m=20
